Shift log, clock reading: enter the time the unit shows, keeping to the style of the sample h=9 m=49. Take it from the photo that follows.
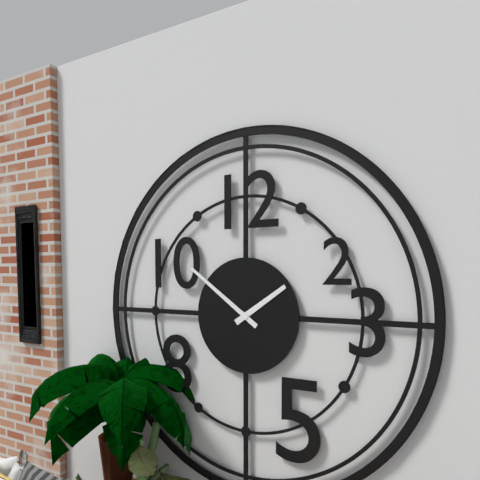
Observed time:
h=1 m=51
